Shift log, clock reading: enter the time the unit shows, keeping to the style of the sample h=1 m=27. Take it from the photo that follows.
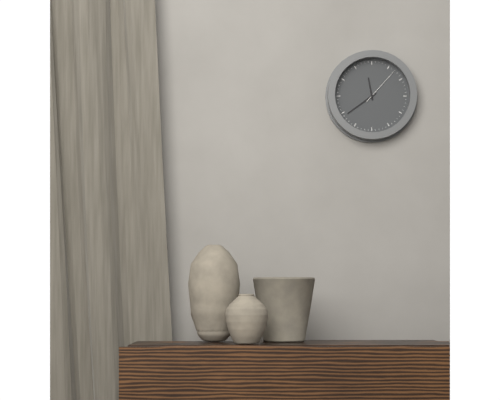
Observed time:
h=11 m=39
